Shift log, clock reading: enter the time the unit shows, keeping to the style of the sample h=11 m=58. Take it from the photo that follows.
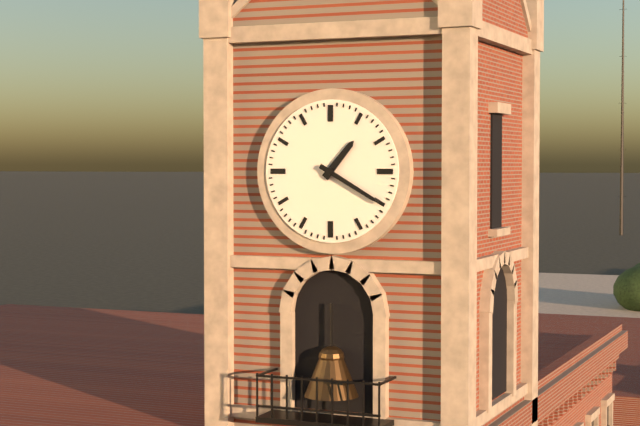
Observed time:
h=1 m=20
